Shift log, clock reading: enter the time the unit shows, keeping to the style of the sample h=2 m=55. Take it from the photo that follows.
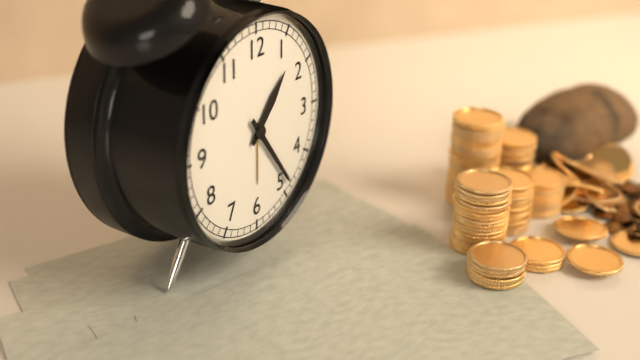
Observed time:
h=1 m=24
